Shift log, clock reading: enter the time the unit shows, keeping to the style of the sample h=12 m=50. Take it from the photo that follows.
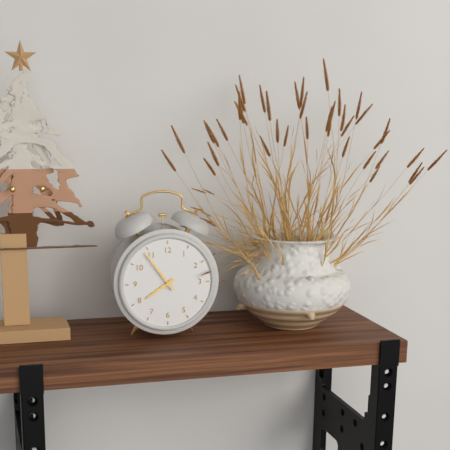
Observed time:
h=7 m=54
